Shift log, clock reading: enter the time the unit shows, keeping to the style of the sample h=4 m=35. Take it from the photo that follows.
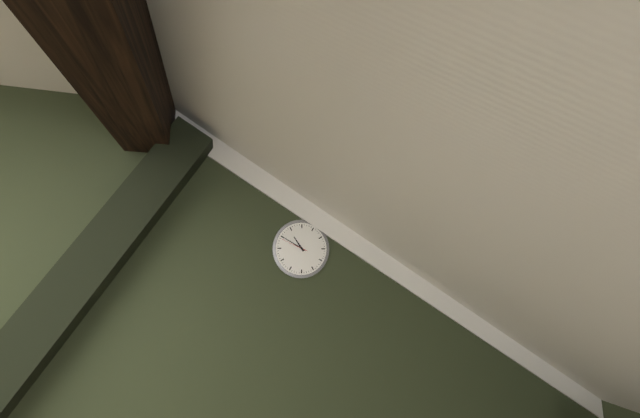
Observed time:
h=10 m=50
